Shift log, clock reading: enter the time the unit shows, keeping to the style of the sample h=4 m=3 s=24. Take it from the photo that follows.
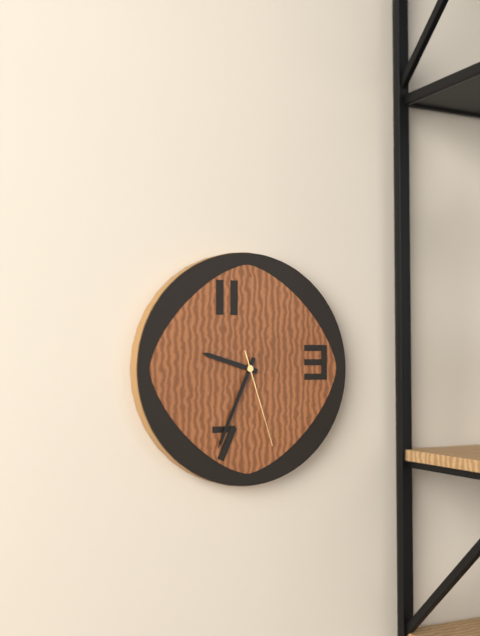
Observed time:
h=9 m=34 s=27
